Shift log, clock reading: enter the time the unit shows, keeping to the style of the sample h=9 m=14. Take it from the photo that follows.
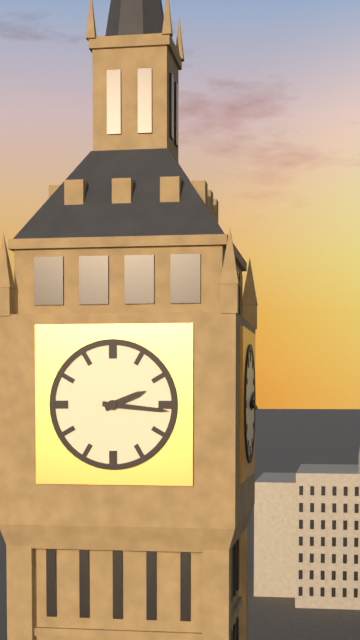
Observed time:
h=2 m=16
